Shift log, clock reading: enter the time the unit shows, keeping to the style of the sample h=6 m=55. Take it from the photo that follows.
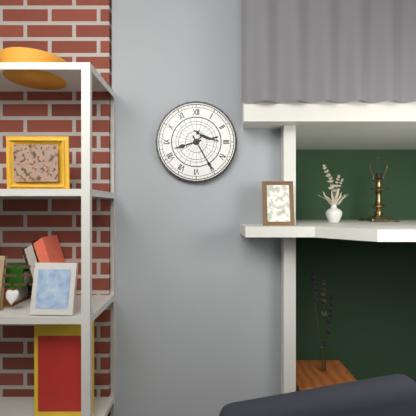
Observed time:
h=8 m=25
